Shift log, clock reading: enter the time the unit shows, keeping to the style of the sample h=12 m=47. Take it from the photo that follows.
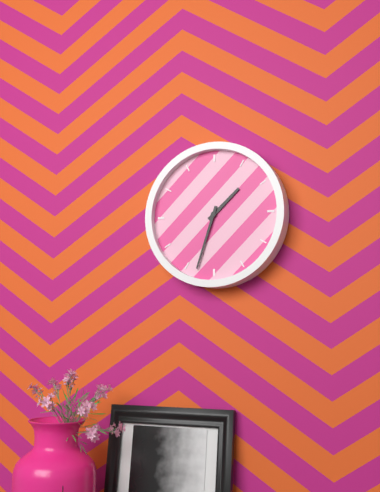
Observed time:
h=1 m=33
